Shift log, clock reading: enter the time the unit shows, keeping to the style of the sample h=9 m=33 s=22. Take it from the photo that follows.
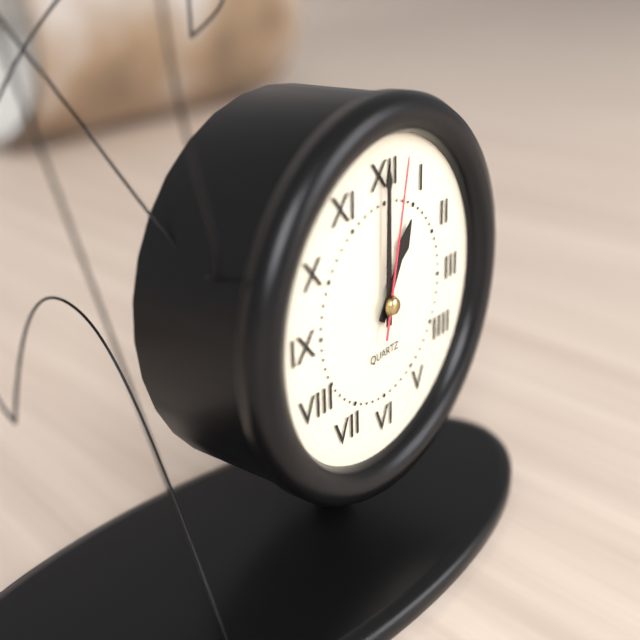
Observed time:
h=1 m=0 s=2
